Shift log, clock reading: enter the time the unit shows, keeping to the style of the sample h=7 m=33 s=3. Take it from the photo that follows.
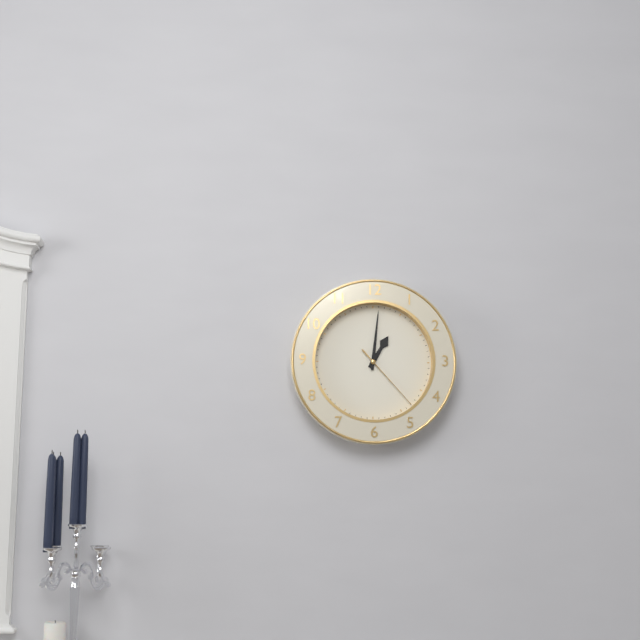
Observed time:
h=1 m=1 s=23
